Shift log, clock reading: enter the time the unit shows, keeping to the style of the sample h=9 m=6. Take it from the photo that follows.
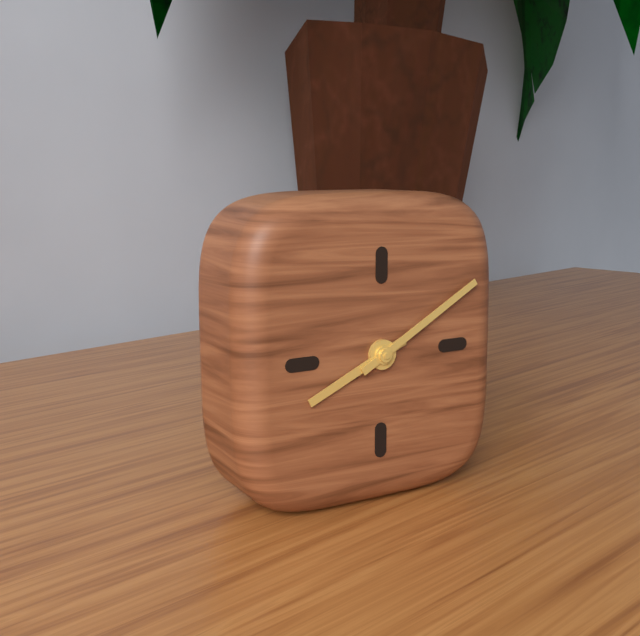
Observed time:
h=8 m=10
